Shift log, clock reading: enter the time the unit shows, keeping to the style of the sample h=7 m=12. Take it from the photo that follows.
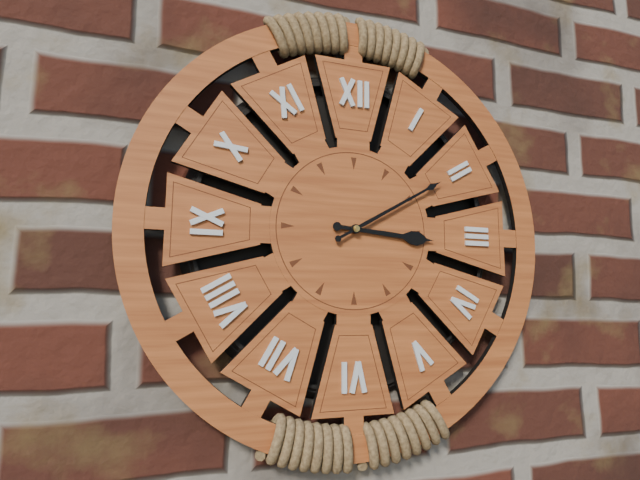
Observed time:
h=3 m=10
